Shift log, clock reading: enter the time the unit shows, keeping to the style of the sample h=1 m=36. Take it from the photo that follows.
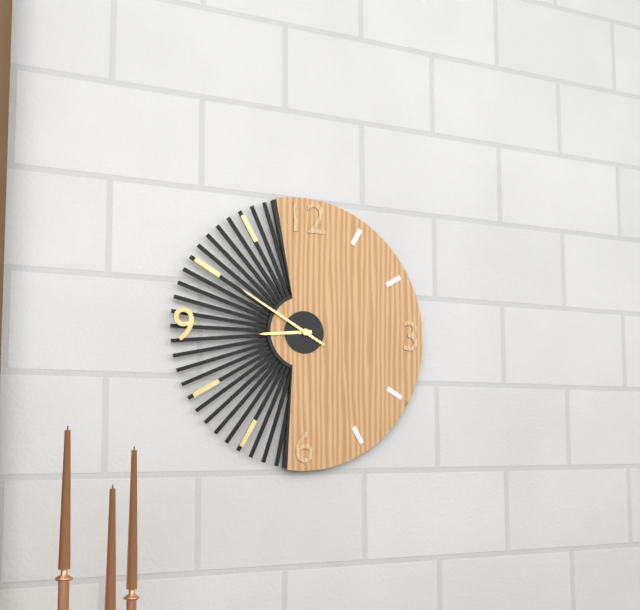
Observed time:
h=8 m=50
